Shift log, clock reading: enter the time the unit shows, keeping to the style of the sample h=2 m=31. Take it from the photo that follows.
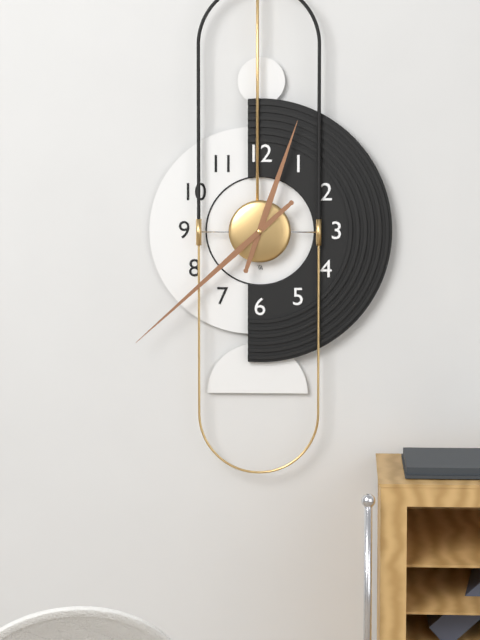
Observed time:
h=12 m=38
